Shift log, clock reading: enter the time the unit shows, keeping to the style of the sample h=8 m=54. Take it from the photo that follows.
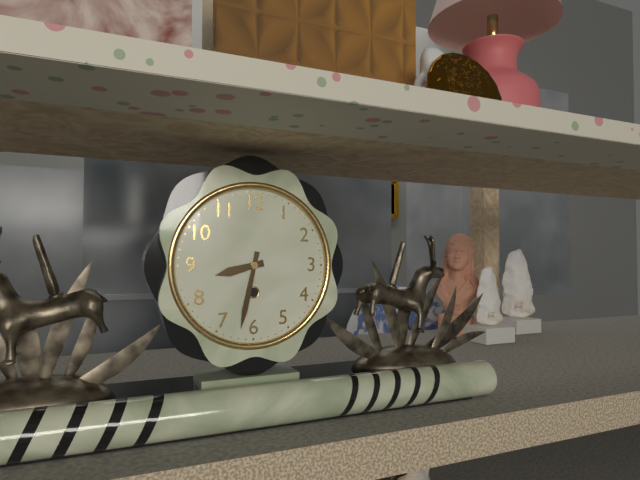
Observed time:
h=8 m=32
